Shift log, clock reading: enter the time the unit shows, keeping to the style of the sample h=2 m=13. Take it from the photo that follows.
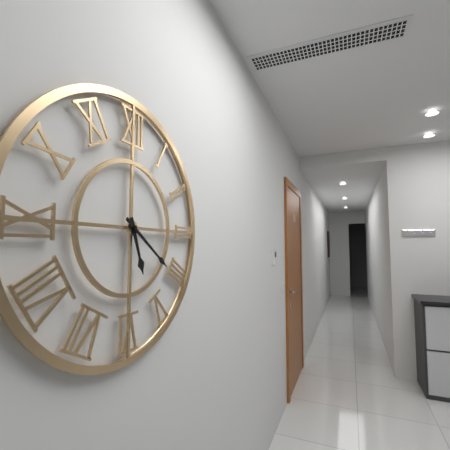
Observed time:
h=5 m=21
